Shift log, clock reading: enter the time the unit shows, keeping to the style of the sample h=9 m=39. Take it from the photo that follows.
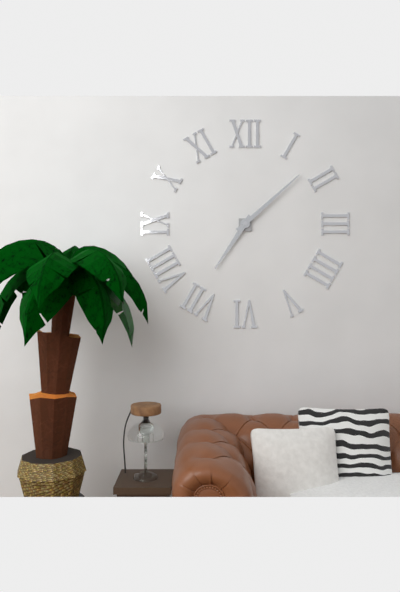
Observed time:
h=7 m=8
